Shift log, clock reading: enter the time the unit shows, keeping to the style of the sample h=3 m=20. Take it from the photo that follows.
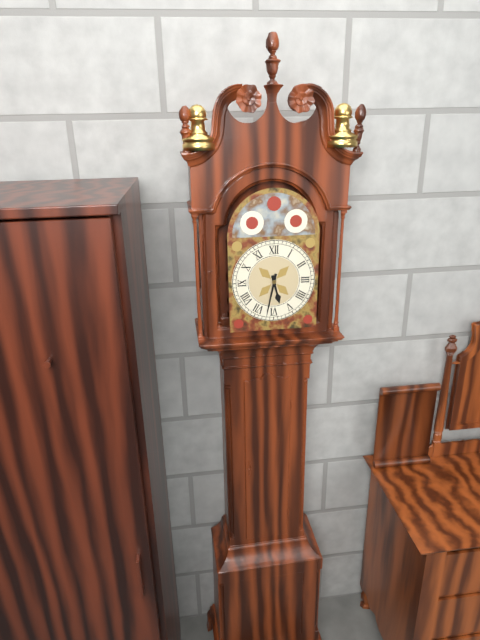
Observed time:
h=5 m=32
